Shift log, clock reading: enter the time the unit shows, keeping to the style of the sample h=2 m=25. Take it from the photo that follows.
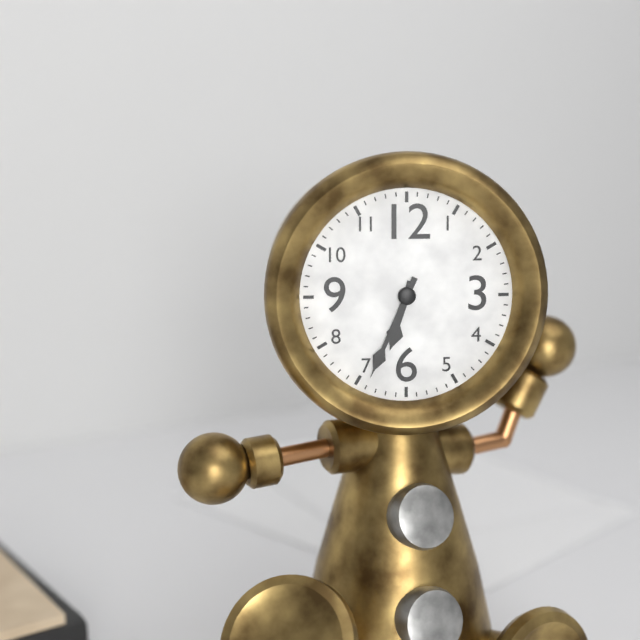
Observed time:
h=6 m=34
